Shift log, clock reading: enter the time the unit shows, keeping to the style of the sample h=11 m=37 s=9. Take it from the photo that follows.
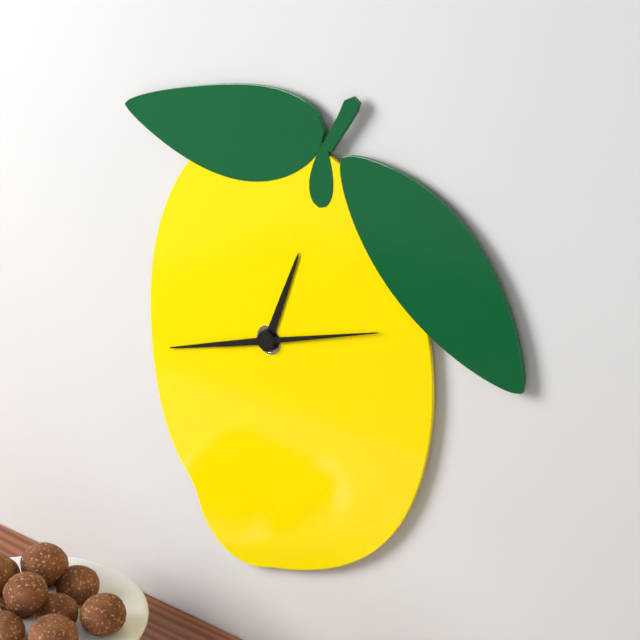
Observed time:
h=12 m=42 s=12
